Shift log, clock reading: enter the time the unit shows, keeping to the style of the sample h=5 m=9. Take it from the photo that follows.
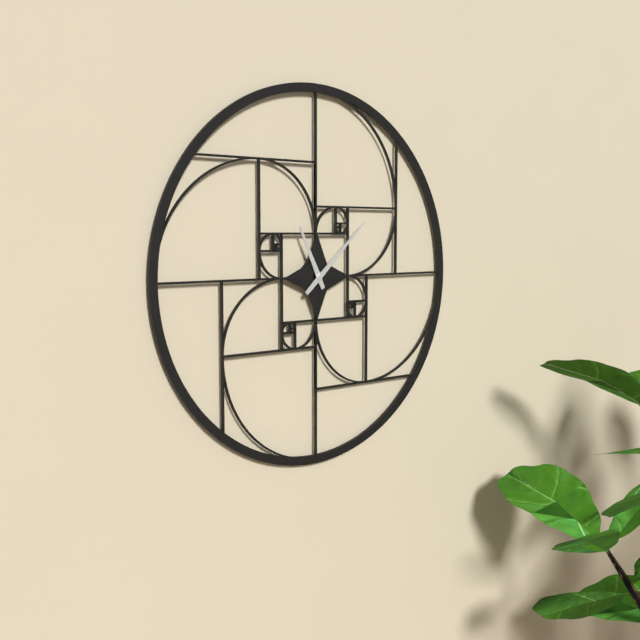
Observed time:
h=11 m=8
